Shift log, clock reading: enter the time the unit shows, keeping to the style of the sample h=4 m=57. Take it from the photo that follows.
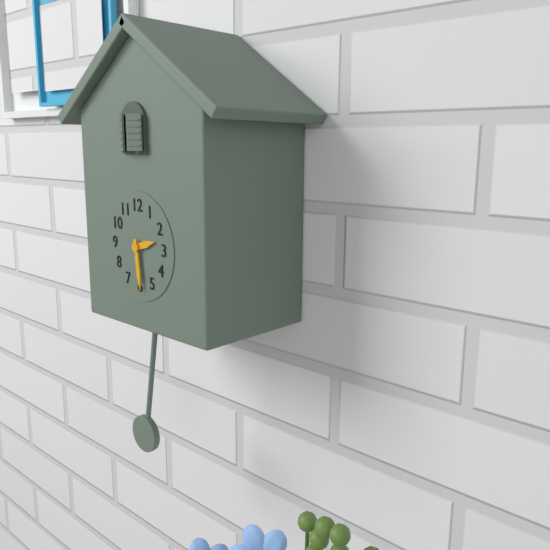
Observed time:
h=2 m=29
